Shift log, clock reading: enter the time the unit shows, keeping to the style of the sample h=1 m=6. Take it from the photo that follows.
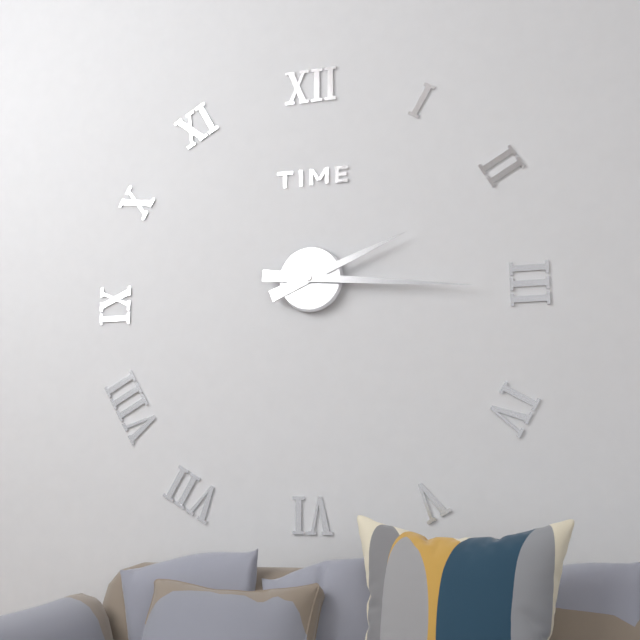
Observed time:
h=2 m=16
